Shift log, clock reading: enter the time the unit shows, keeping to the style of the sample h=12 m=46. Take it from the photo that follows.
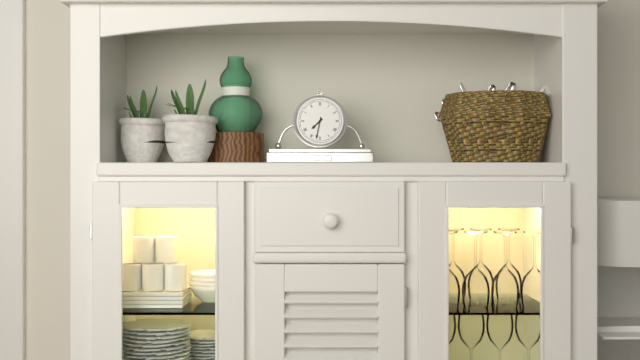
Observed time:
h=7 m=32
